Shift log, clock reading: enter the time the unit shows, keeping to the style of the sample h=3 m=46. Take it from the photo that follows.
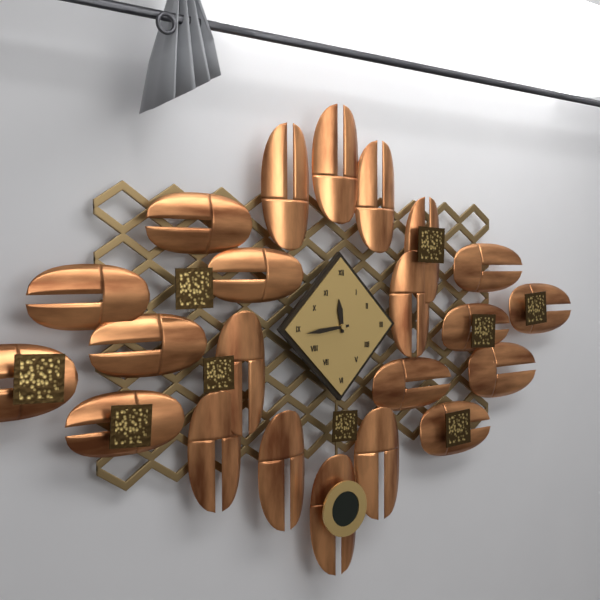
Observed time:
h=11 m=44
